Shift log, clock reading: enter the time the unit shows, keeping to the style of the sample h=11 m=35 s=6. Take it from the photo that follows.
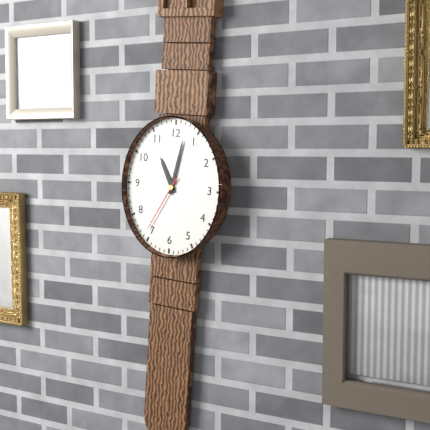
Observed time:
h=11 m=2 s=35
